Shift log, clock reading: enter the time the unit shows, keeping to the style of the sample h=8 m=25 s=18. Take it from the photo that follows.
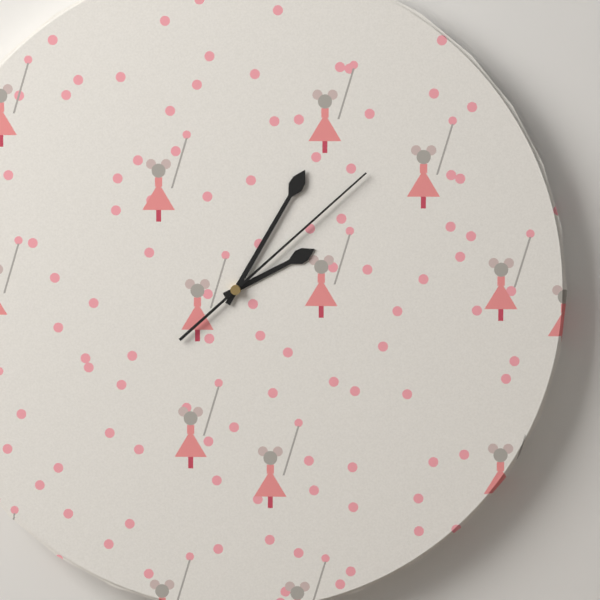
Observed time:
h=2 m=5 s=8
